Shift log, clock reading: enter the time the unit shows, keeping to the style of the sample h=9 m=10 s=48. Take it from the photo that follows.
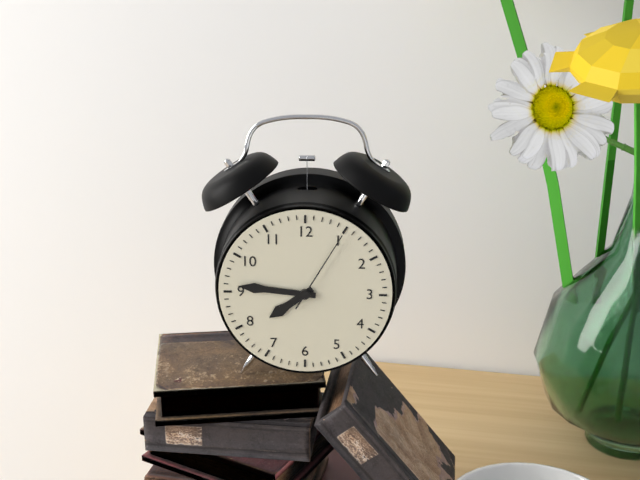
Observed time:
h=7 m=46 s=5
